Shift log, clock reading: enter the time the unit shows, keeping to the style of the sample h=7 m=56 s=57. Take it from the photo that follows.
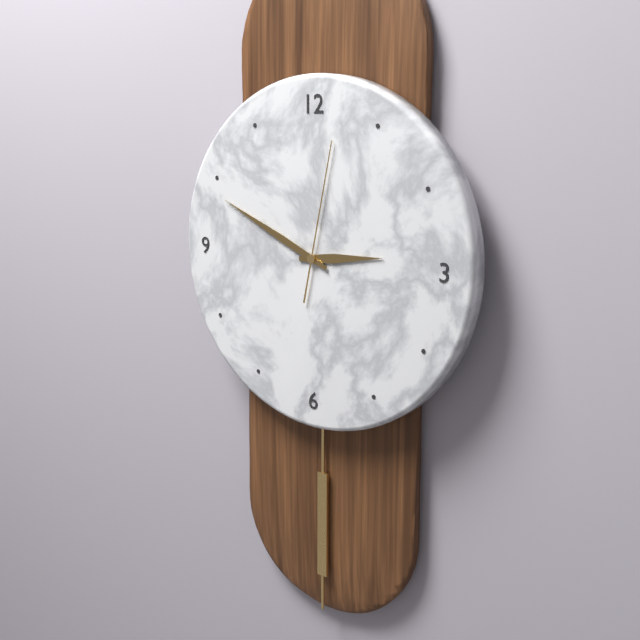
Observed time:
h=2 m=49 s=2
